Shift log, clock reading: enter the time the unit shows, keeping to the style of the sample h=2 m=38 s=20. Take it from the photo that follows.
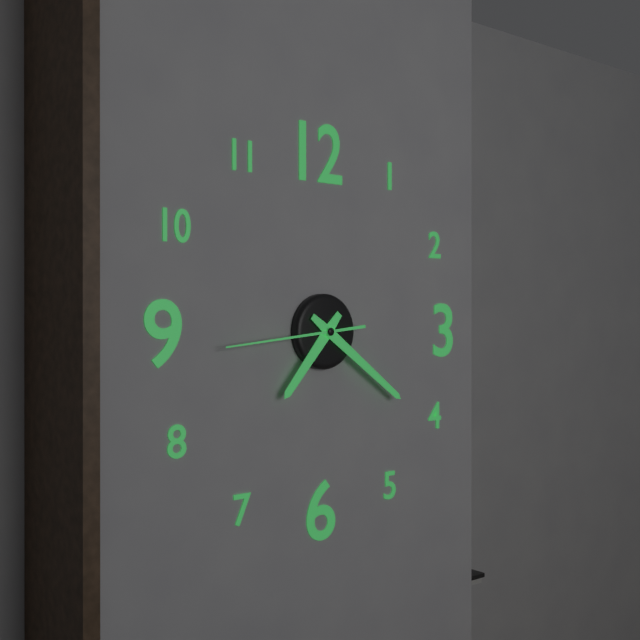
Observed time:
h=7 m=21 s=44
